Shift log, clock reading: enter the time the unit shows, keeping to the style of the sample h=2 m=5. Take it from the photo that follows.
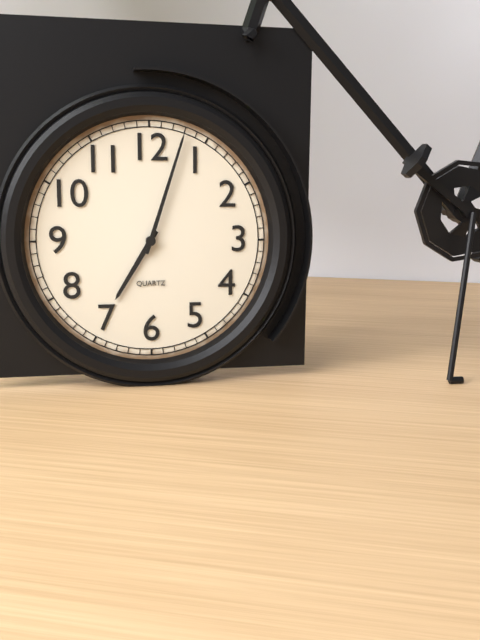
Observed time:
h=7 m=3
